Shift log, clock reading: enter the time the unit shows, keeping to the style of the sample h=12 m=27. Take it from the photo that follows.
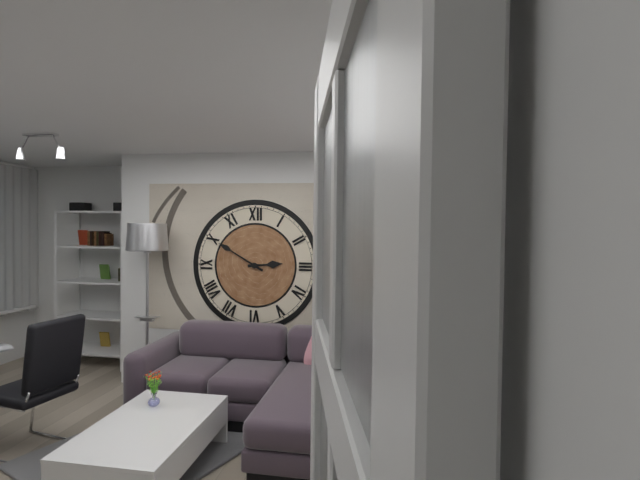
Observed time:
h=2 m=50
